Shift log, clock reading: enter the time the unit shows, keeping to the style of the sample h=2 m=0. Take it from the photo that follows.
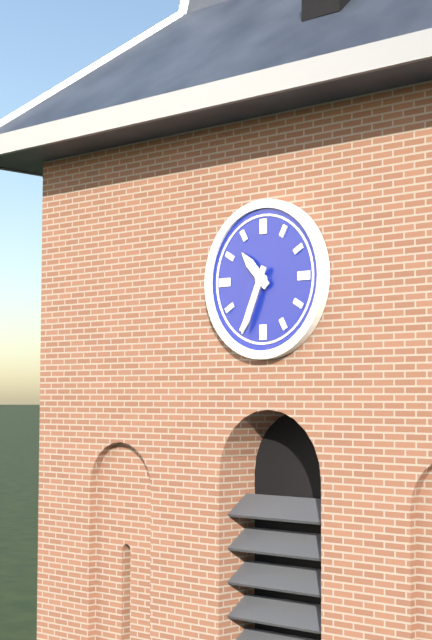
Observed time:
h=10 m=34
